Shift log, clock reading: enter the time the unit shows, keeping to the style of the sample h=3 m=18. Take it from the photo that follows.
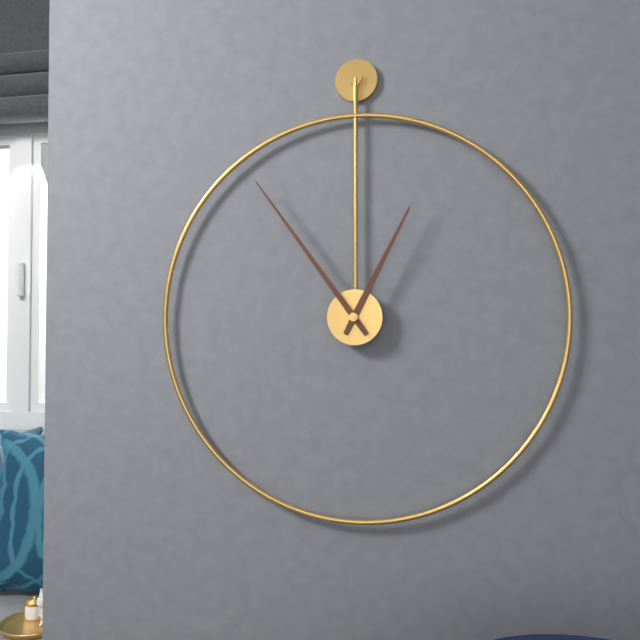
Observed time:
h=12 m=54
